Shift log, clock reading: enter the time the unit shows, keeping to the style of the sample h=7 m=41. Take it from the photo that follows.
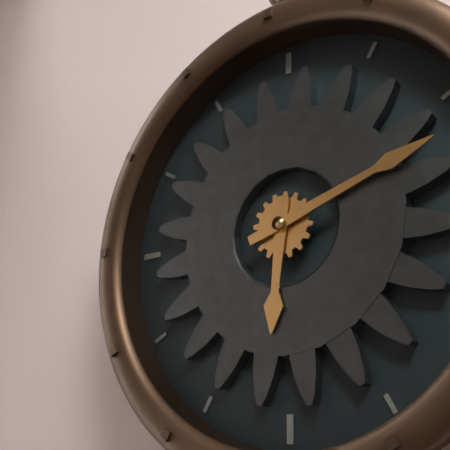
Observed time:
h=6 m=12
